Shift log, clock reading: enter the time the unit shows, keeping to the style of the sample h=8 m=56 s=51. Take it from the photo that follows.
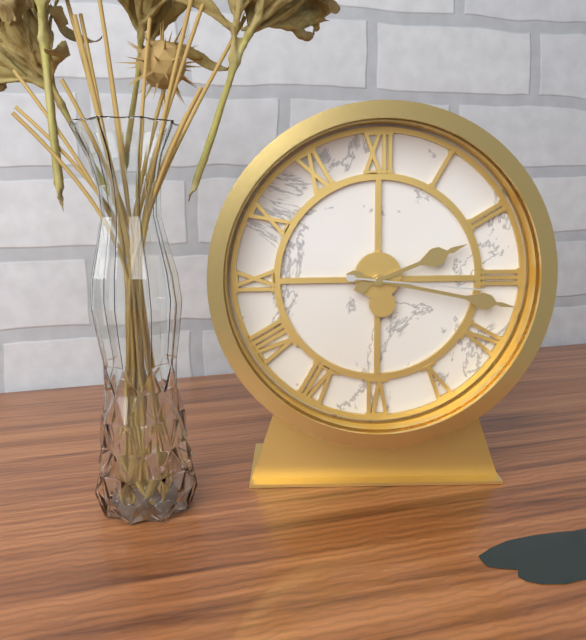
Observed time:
h=2 m=17 s=16
